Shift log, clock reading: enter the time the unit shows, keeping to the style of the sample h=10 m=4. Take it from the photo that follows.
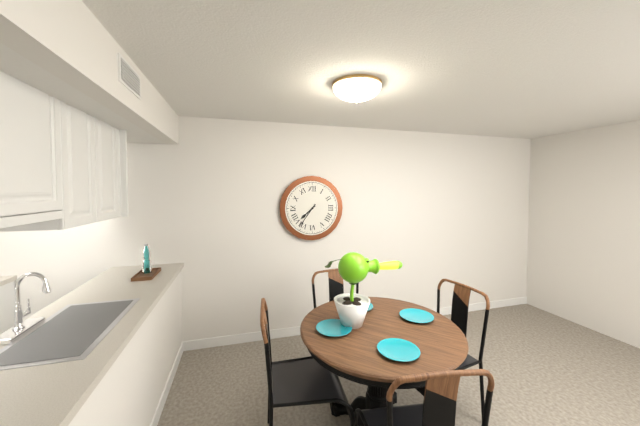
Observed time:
h=7 m=36
